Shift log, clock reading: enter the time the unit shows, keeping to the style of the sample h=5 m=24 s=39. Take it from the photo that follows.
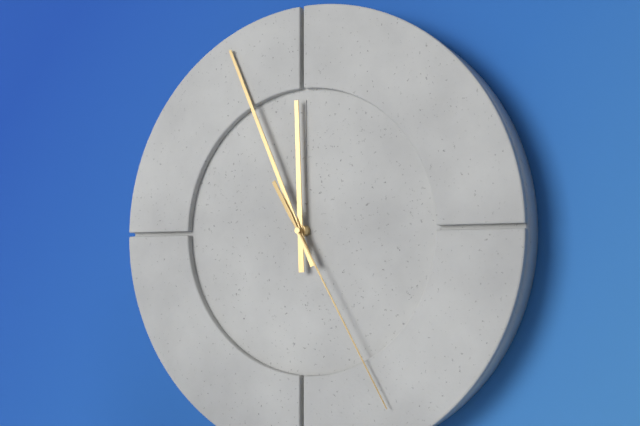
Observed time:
h=11 m=56 s=25
